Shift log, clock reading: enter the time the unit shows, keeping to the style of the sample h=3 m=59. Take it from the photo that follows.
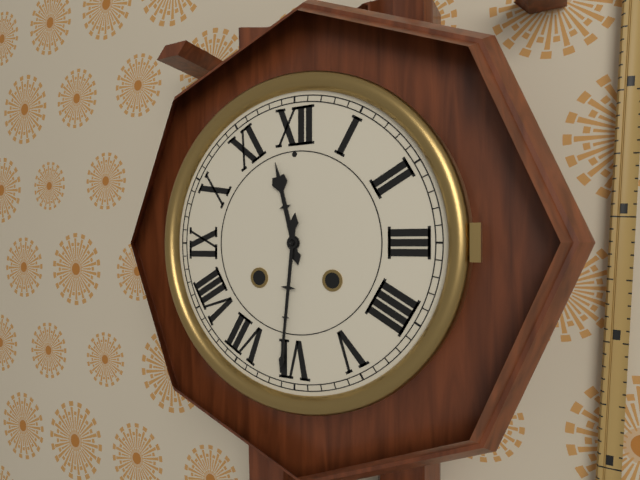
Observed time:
h=11 m=31
